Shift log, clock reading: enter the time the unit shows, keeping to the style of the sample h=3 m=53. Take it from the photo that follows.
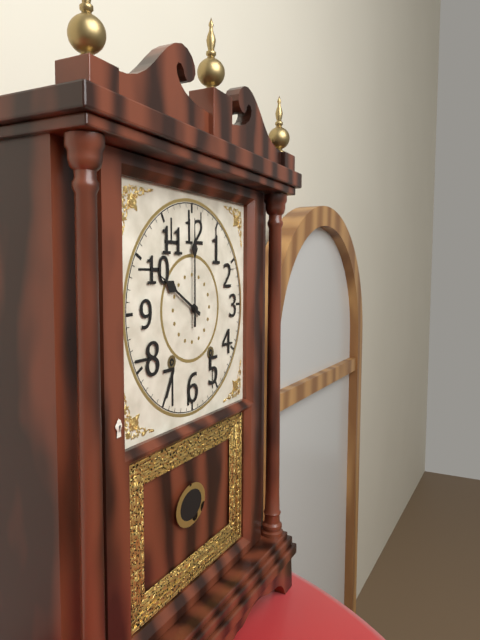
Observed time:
h=10 m=0
